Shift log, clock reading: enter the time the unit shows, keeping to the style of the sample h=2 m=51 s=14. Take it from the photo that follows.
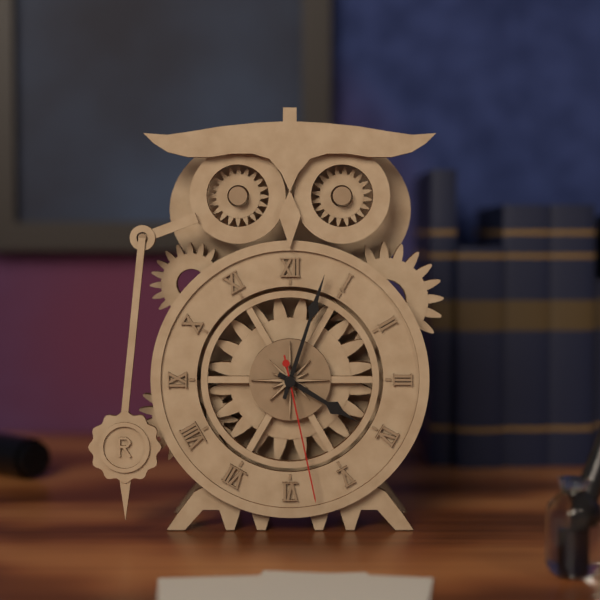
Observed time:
h=4 m=3 s=28
